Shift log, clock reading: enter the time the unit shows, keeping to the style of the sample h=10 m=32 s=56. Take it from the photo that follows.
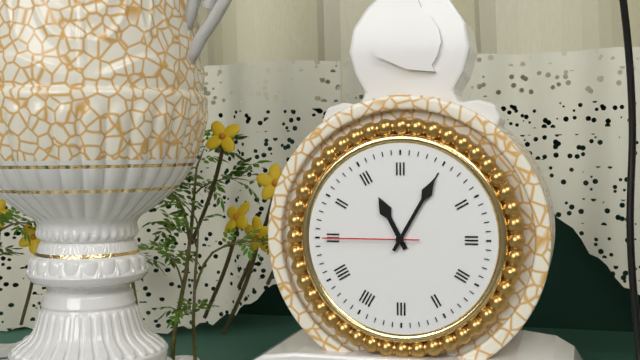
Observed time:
h=11 m=5 s=45
